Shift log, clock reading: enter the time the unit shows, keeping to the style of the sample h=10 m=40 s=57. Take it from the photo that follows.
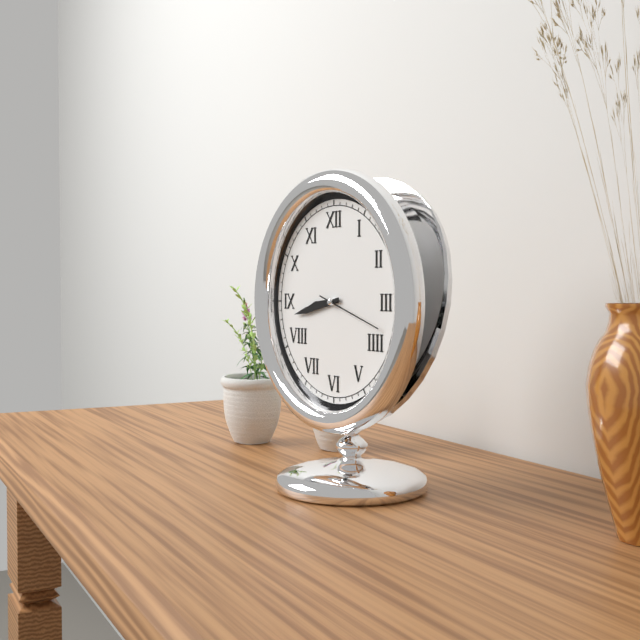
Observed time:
h=8 m=43 s=18
